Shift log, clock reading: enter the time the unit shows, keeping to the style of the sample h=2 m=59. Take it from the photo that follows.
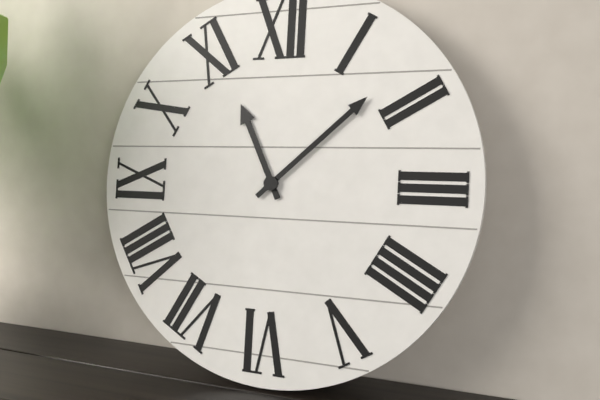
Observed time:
h=11 m=8
